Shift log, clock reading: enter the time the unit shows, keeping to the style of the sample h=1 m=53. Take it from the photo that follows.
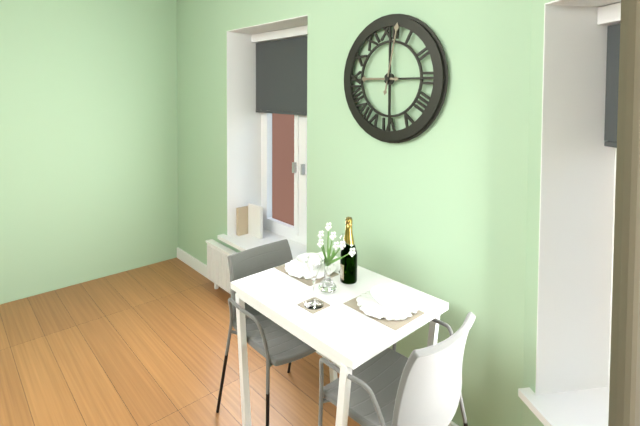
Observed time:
h=9 m=2
